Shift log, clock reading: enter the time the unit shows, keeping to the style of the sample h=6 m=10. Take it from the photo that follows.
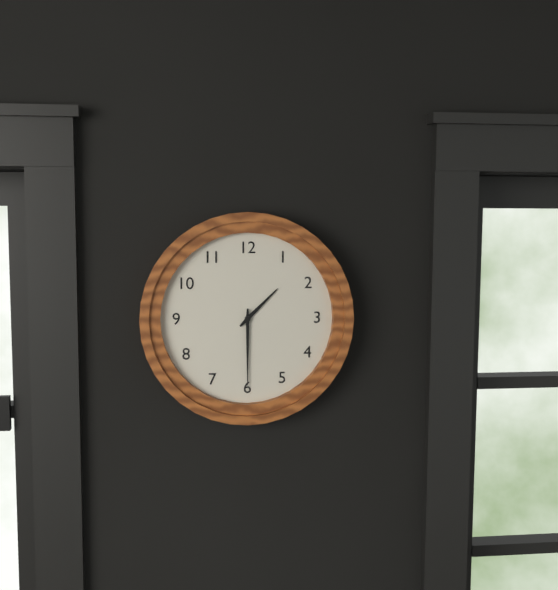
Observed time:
h=1 m=30
